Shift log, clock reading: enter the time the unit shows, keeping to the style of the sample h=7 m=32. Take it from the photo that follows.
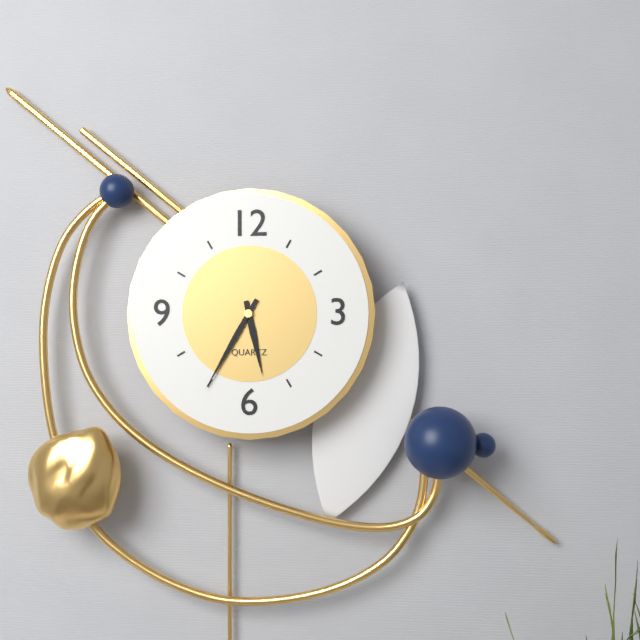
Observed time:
h=5 m=35
